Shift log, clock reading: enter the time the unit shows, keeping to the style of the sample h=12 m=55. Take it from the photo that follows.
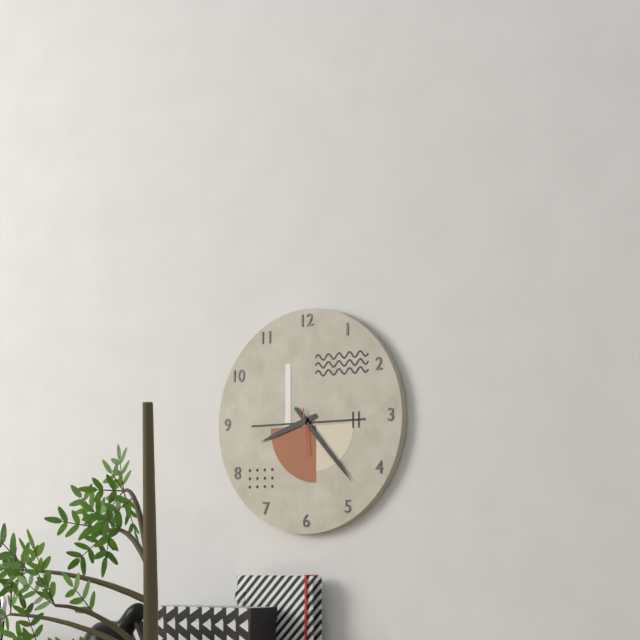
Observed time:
h=8 m=23
